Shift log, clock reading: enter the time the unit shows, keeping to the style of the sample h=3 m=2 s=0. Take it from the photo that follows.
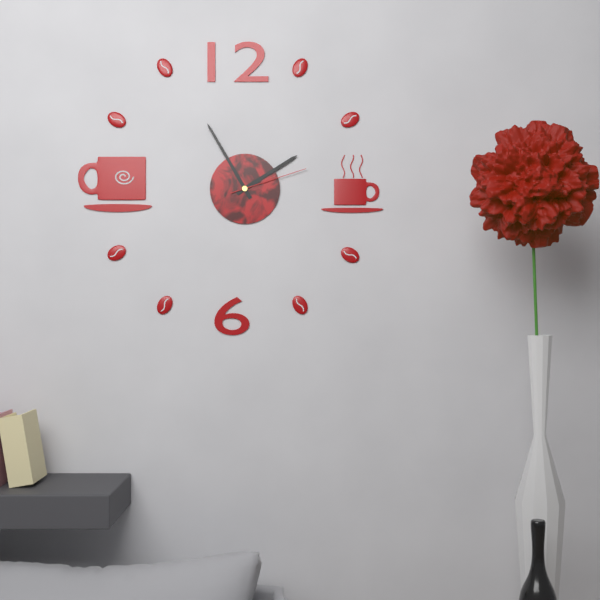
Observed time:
h=1 m=55 s=12
